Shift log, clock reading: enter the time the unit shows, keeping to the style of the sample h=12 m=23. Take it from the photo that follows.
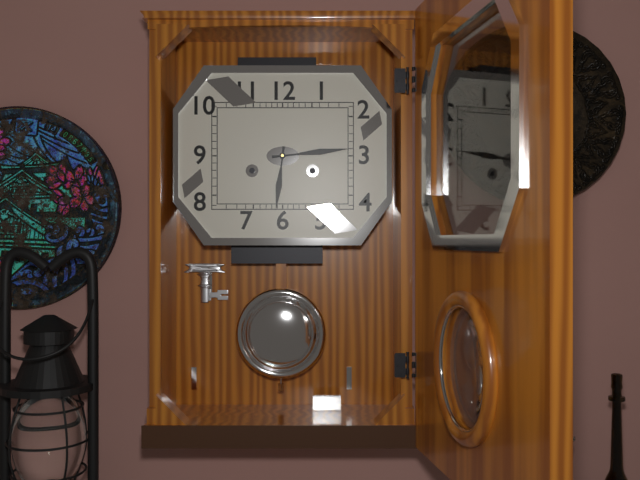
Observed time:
h=6 m=14
